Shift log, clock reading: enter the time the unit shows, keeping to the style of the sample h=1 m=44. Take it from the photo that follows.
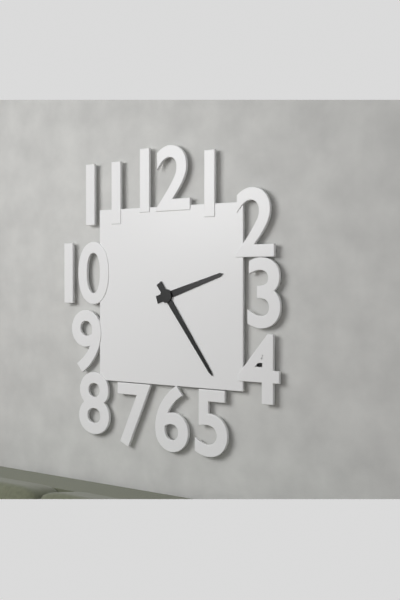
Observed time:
h=2 m=24
